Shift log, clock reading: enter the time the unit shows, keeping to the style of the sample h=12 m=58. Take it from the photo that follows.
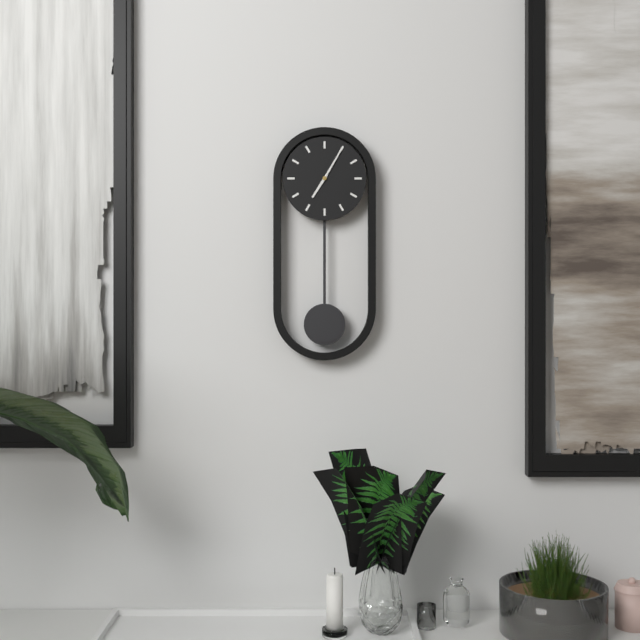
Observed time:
h=7 m=5
